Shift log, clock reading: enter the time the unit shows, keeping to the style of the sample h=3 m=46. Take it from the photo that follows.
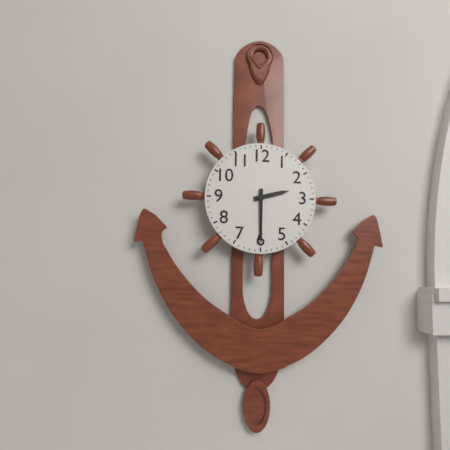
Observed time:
h=2 m=30
